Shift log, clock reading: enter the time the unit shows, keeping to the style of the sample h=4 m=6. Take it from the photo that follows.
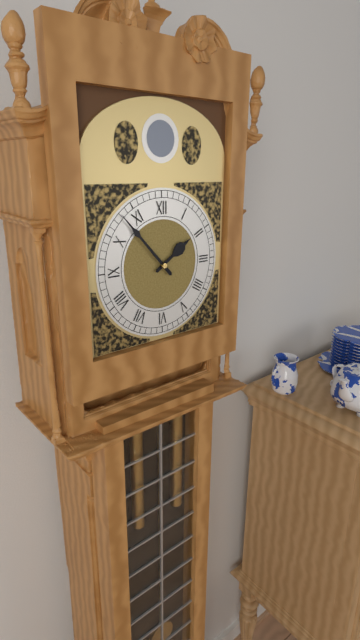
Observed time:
h=1 m=53
